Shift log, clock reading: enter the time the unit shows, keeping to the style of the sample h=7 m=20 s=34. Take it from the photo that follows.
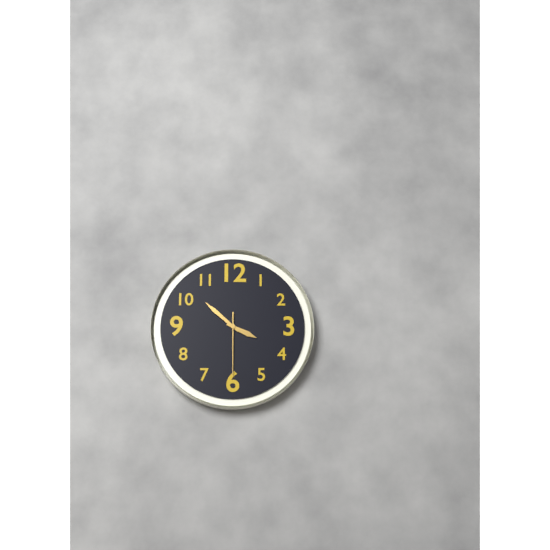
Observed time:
h=3 m=52 s=30
